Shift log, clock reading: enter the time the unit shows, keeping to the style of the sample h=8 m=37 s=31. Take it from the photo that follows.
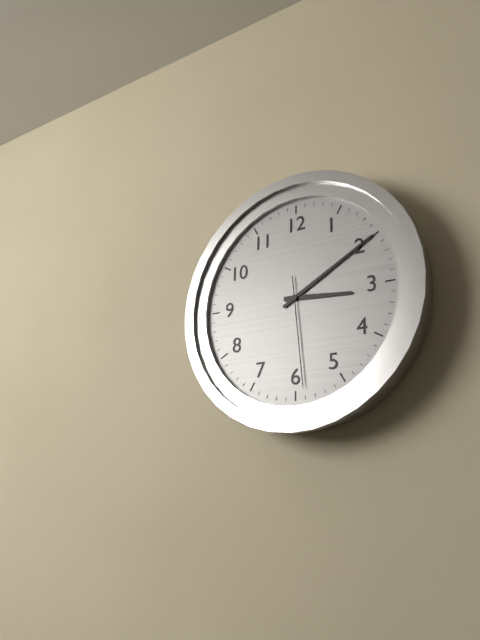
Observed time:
h=3 m=10 s=29
